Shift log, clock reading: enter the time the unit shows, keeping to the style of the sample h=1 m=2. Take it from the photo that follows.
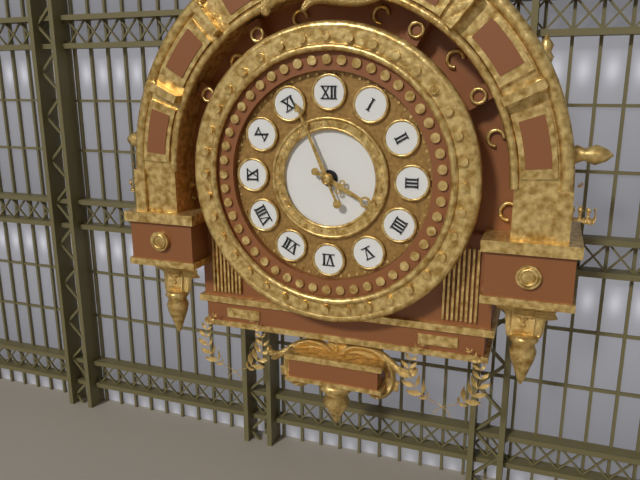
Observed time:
h=3 m=56
